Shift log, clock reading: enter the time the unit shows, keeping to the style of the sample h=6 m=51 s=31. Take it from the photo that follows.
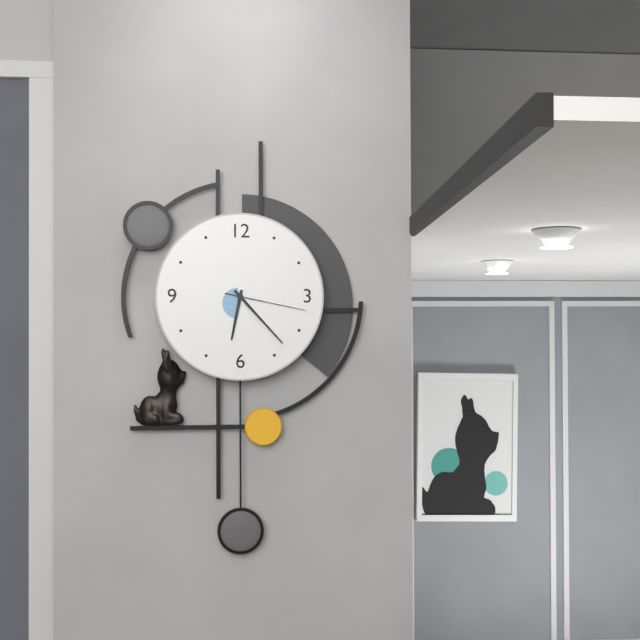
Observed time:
h=6 m=23 s=17
